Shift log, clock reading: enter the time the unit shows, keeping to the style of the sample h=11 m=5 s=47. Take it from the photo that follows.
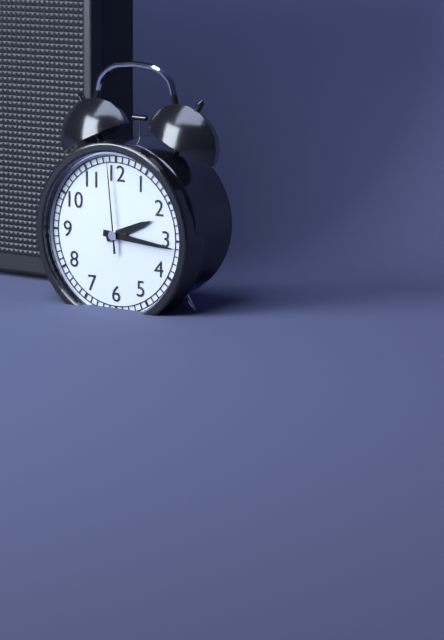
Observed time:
h=2 m=16 s=59
